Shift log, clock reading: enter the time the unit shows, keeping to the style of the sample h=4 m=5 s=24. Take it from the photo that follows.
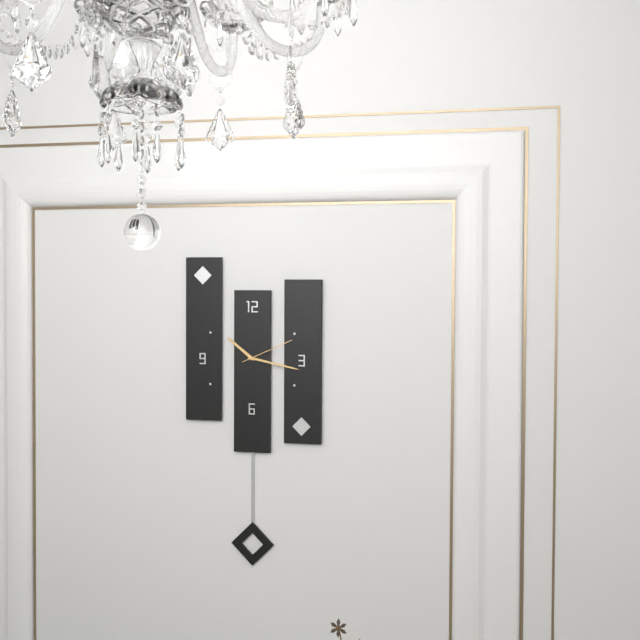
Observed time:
h=10 m=17 s=11
